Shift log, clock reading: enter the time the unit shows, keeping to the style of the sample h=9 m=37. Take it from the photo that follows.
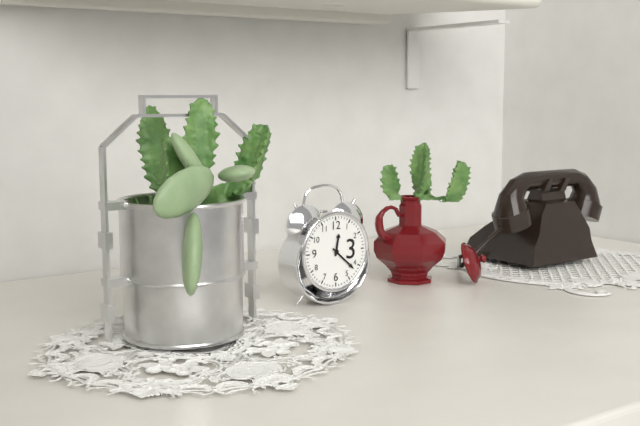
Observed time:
h=12 m=22
